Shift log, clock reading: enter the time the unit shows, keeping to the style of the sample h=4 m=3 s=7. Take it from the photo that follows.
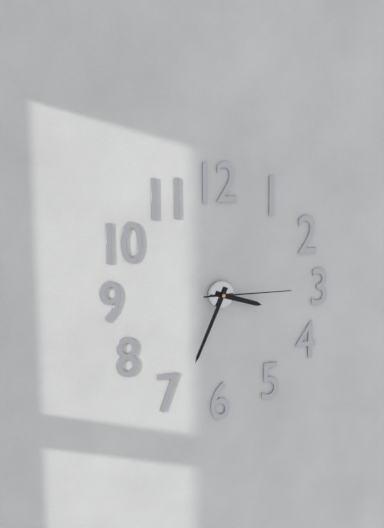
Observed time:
h=3 m=34 s=15
